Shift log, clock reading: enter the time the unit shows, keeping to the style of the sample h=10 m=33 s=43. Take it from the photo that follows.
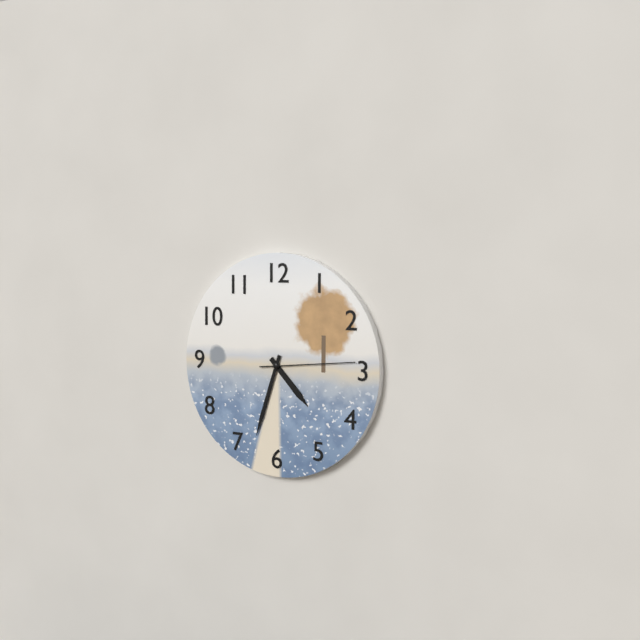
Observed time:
h=4 m=33 s=14
